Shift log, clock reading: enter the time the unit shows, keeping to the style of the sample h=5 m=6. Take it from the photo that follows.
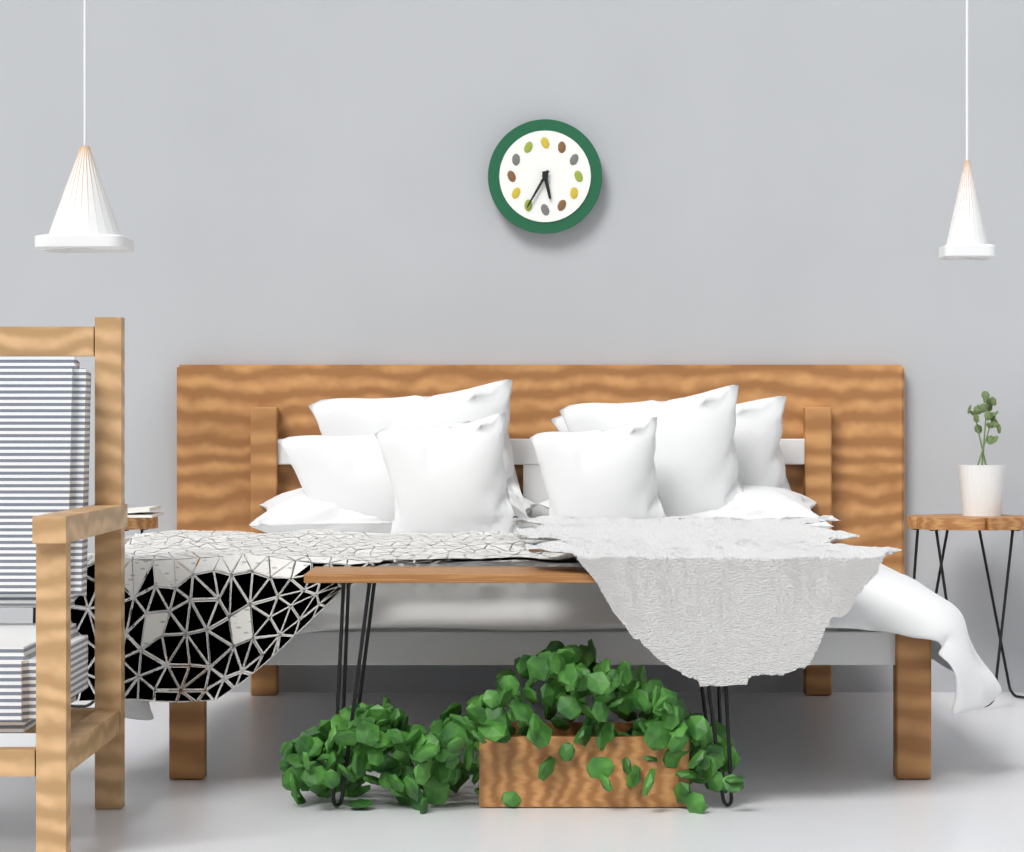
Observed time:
h=5 m=35
